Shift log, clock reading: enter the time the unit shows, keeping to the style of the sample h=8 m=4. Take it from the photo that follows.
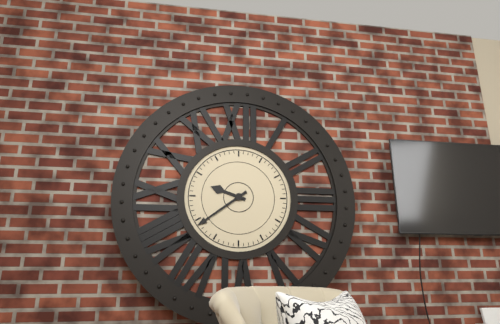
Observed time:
h=9 m=39
